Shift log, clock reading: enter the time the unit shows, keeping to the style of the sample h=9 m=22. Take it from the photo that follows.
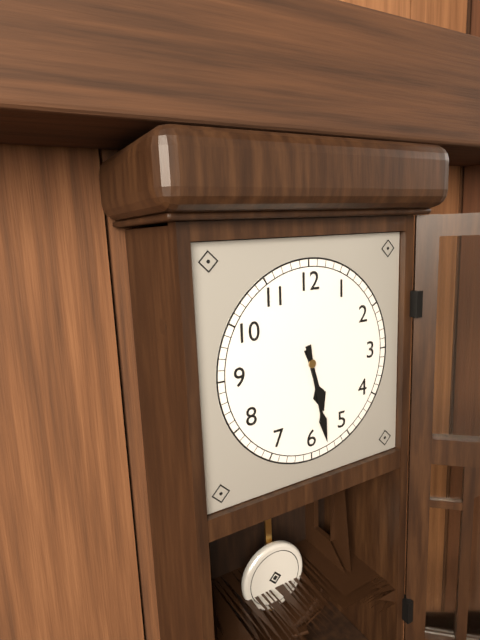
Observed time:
h=5 m=28
